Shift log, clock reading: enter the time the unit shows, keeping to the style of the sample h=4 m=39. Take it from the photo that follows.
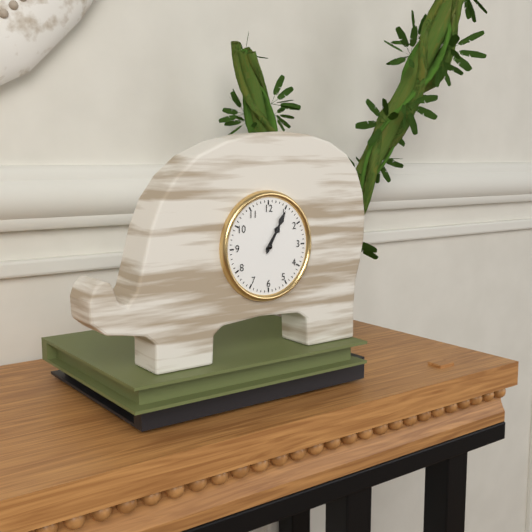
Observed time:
h=1 m=5
